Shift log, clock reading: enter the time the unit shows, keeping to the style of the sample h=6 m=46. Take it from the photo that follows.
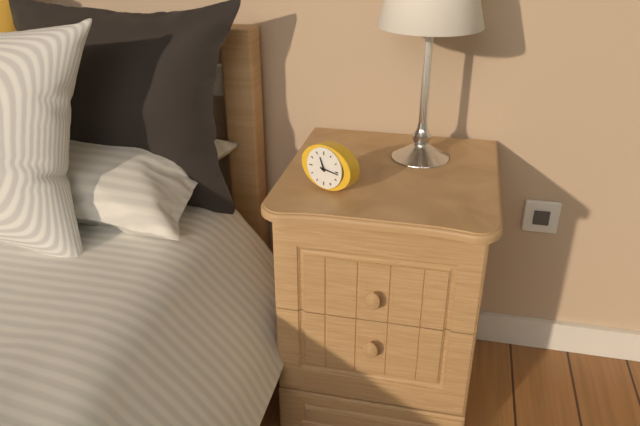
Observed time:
h=11 m=16
